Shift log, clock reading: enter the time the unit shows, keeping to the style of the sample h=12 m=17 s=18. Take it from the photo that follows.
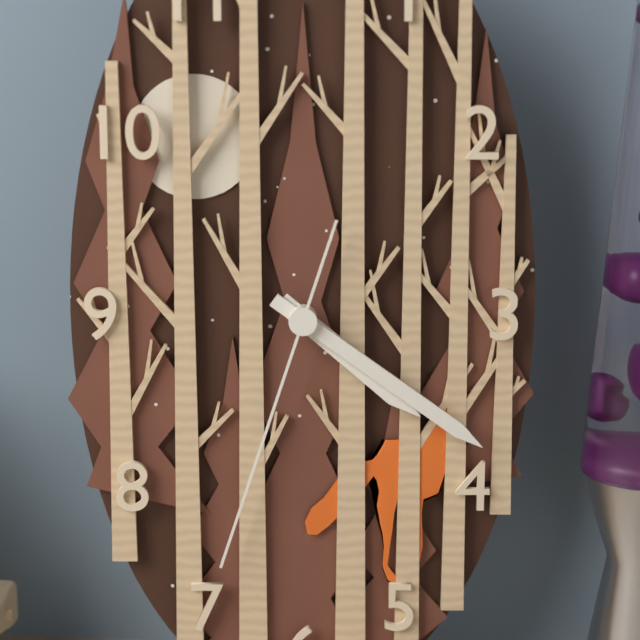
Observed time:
h=4 m=21 s=33
